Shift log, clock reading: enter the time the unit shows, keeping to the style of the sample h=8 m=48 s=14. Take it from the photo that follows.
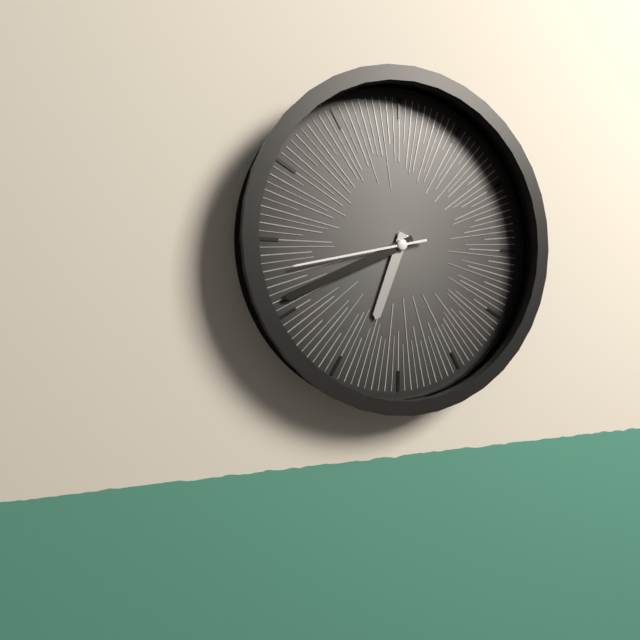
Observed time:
h=6 m=41 s=43
